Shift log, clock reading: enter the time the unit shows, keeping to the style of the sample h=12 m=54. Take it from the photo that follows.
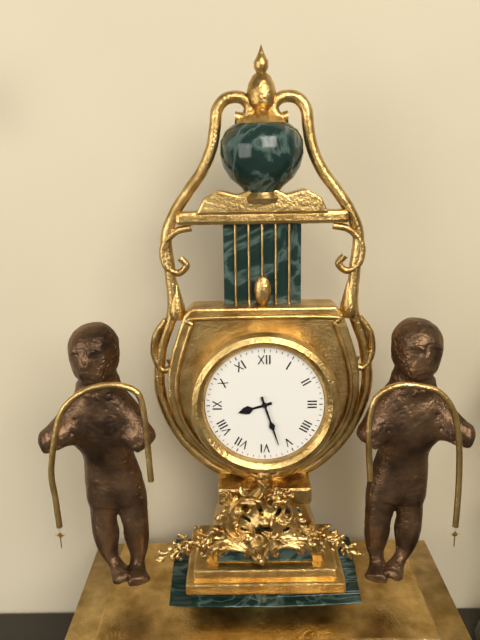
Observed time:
h=8 m=27
